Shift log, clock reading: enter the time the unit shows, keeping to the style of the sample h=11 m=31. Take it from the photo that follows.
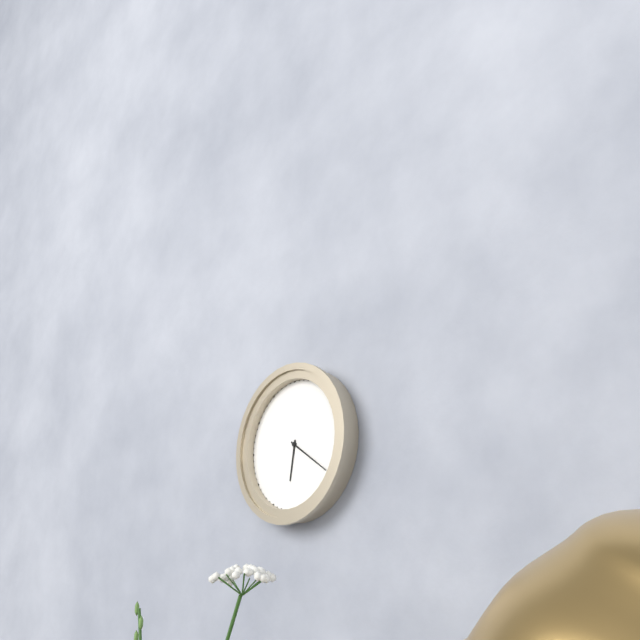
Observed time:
h=6 m=21
